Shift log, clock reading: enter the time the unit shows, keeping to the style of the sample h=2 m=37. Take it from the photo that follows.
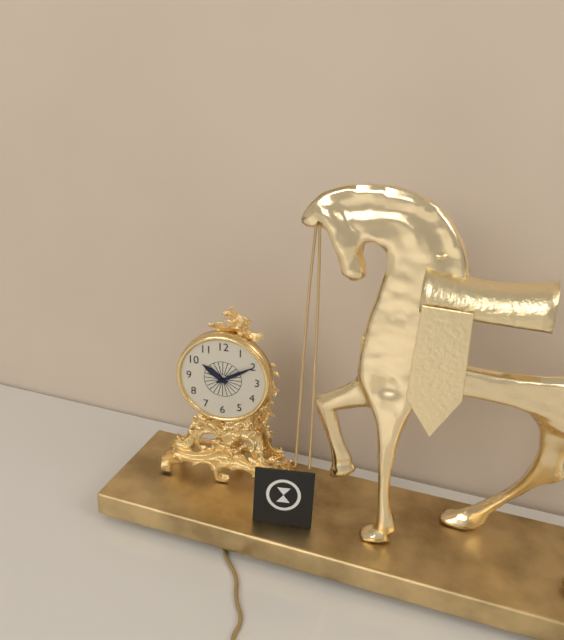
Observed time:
h=10 m=10
